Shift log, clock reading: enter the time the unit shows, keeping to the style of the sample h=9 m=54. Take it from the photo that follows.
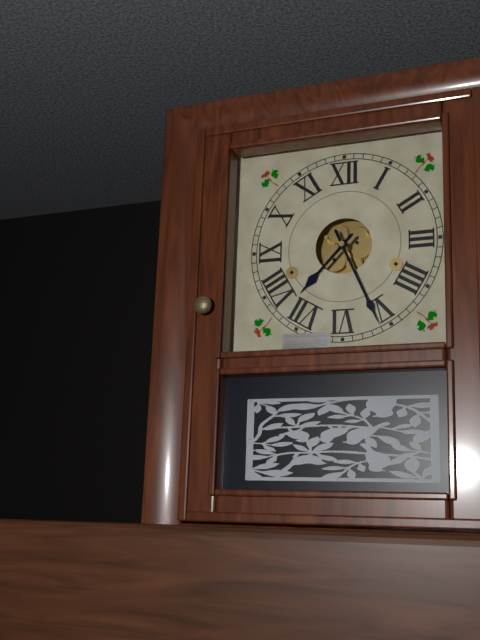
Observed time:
h=7 m=26
